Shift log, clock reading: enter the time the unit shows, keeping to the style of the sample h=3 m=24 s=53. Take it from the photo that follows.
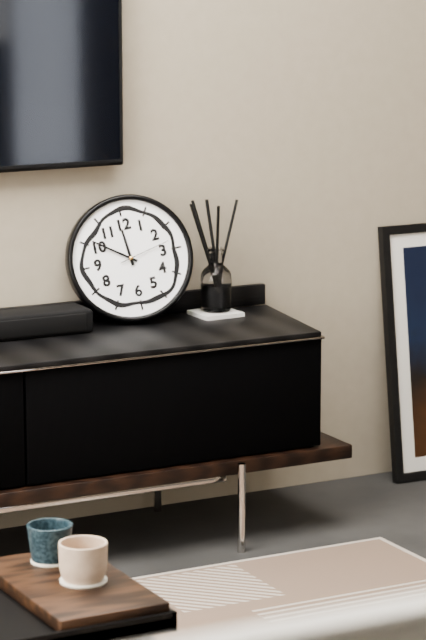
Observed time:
h=11 m=51 s=13
